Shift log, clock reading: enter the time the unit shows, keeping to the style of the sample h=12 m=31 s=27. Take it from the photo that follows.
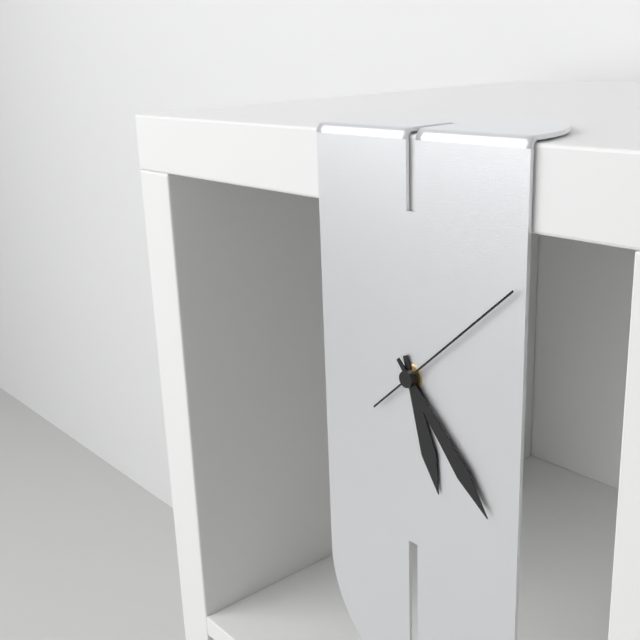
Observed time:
h=5 m=23 s=8
